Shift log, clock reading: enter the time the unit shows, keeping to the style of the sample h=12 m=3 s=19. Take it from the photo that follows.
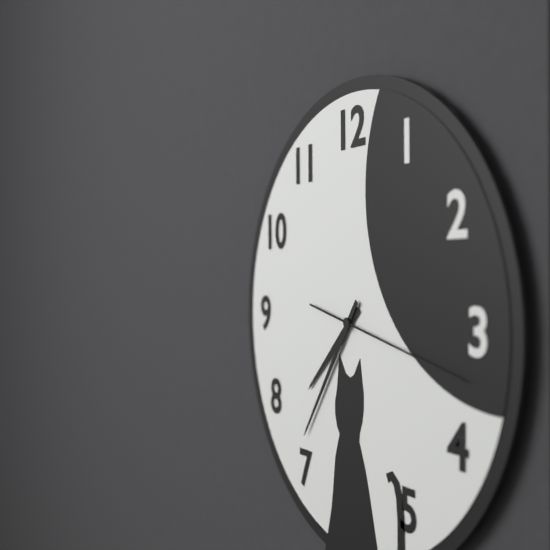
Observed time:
h=7 m=36 s=17
